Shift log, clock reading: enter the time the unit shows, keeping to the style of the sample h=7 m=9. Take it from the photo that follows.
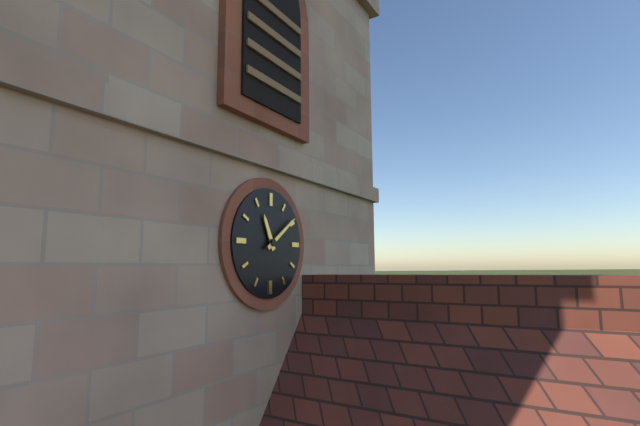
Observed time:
h=11 m=9
